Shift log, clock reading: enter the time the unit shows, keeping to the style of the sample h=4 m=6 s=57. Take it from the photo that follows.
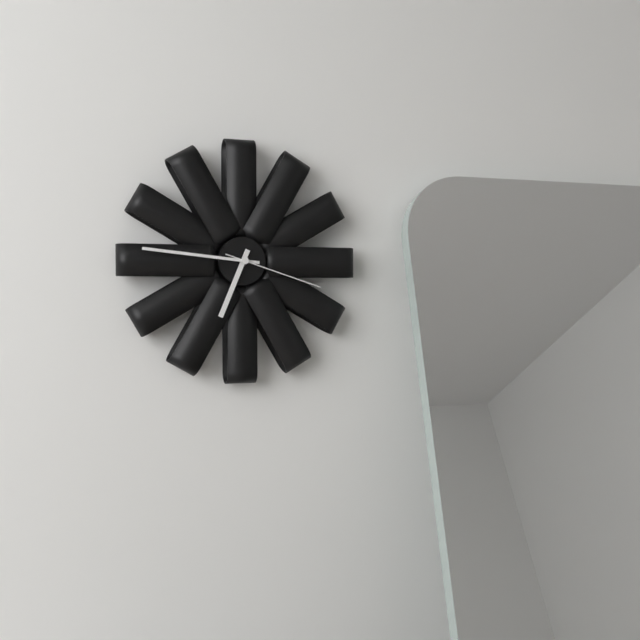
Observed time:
h=6 m=46 s=18
